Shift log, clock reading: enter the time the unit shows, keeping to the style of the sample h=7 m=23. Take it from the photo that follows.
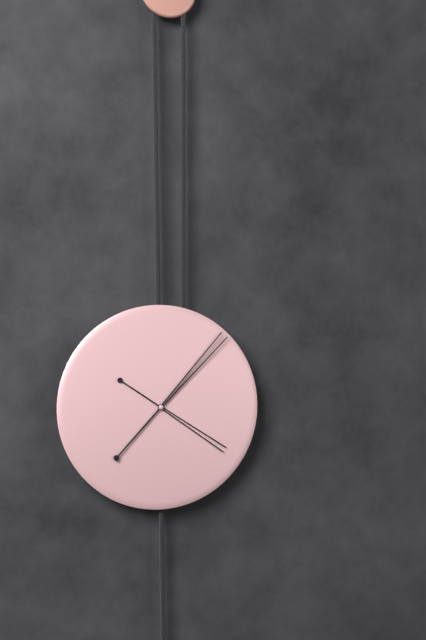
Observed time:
h=4 m=7
